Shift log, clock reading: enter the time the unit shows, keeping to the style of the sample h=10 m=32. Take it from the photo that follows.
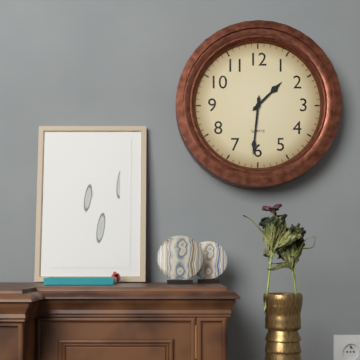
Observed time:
h=1 m=31
